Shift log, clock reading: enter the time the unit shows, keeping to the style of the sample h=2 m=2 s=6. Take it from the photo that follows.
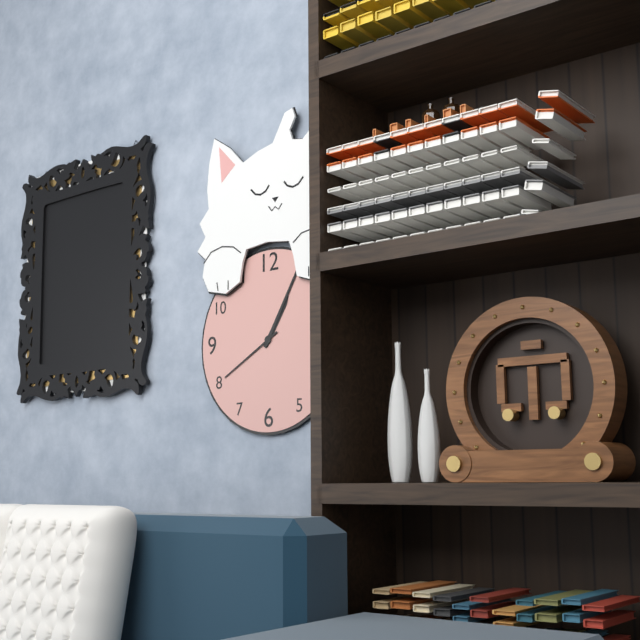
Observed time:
h=1 m=5 s=40
